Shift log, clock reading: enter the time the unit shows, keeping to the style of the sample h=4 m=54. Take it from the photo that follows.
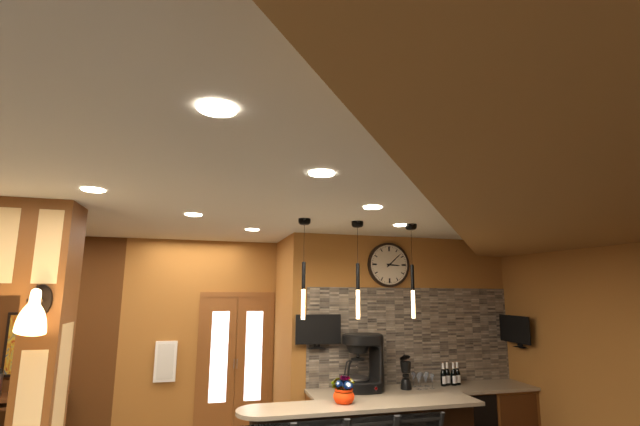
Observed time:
h=3 m=8
